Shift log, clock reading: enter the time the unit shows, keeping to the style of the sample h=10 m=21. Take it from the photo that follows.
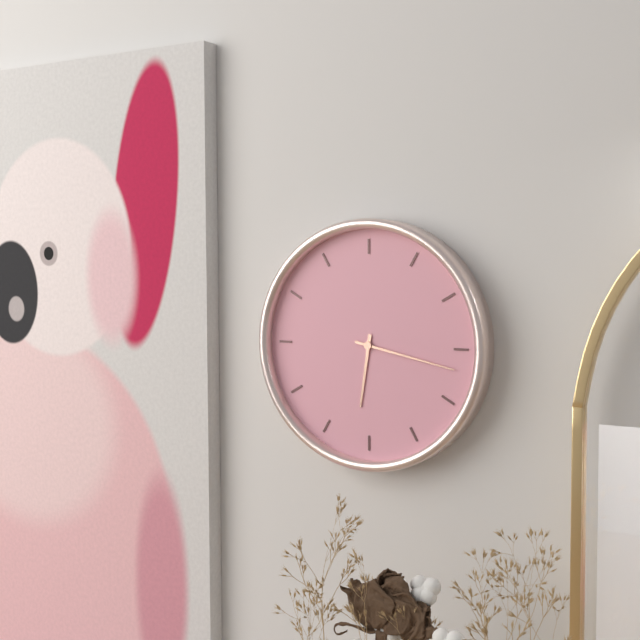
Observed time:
h=6 m=17
